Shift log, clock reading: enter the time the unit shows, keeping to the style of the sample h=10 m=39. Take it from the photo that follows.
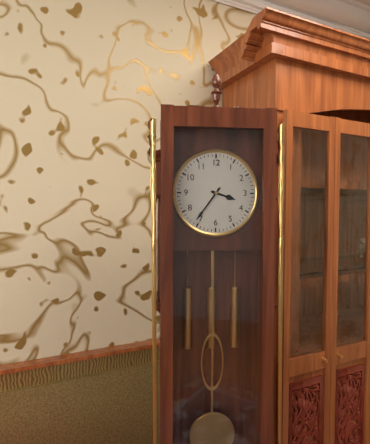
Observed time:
h=3 m=36
